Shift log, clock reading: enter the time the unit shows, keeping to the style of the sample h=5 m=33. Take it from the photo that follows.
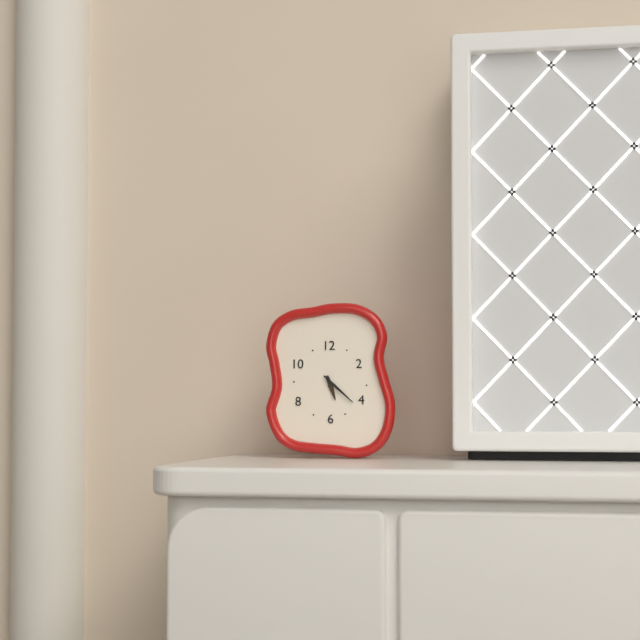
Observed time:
h=5 m=22
